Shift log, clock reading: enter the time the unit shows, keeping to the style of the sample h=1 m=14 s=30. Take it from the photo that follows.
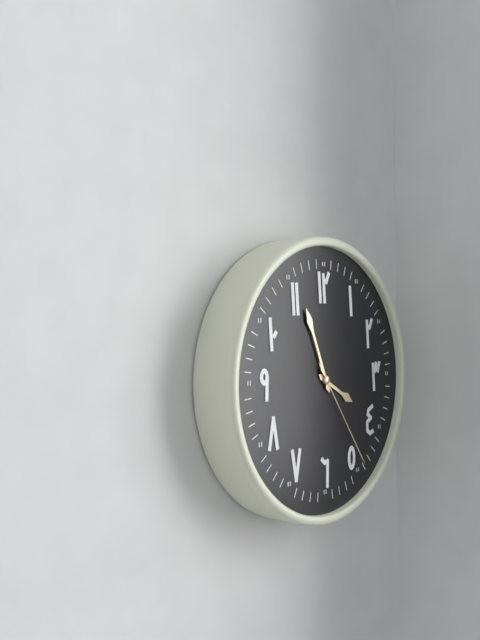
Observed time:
h=3 m=56 s=24
